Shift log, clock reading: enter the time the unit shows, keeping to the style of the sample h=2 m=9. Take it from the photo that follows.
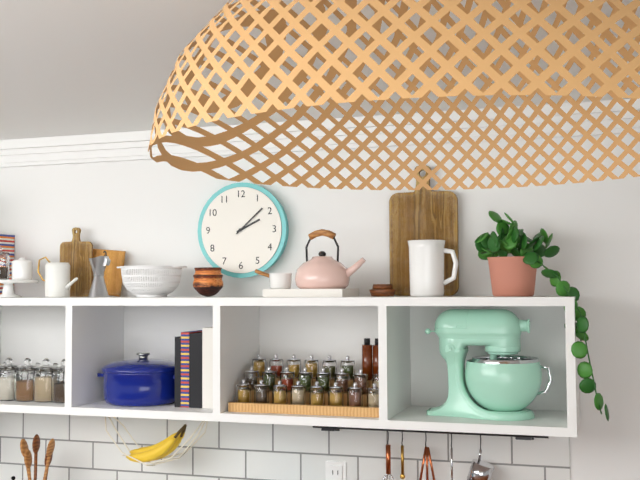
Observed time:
h=2 m=8
